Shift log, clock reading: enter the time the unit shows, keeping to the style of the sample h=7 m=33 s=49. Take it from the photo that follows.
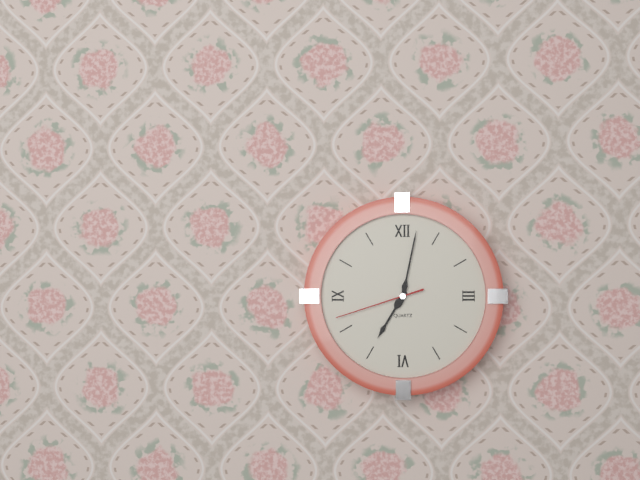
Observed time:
h=7 m=2 s=42
